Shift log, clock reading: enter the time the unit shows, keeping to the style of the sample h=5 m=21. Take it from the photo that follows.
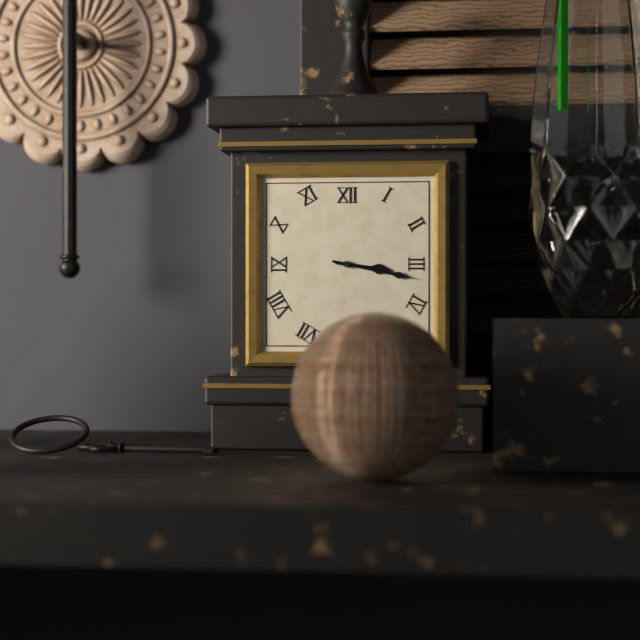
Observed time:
h=3 m=17
